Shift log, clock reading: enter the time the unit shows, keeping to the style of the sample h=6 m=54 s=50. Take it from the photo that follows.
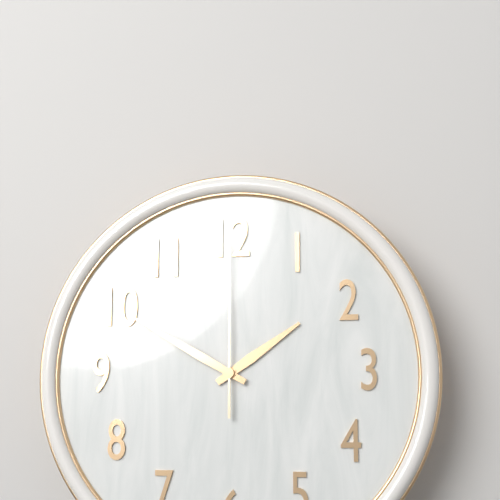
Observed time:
h=1 m=50 s=0
